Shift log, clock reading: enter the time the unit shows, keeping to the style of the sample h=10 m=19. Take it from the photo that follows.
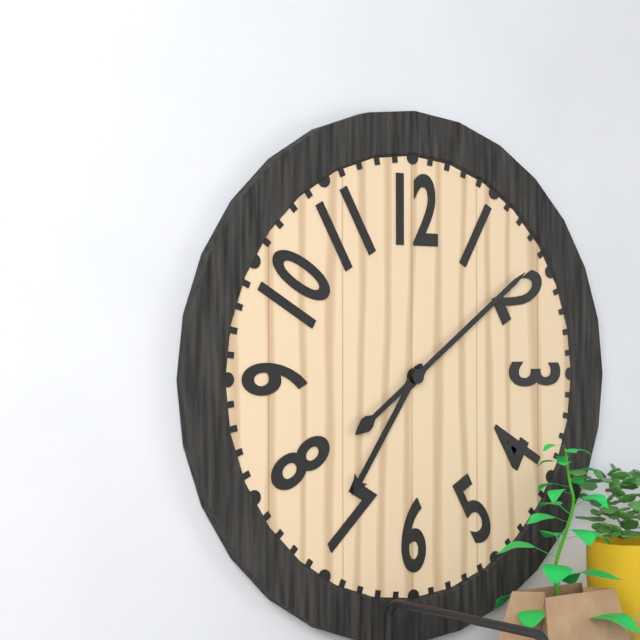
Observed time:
h=7 m=9
